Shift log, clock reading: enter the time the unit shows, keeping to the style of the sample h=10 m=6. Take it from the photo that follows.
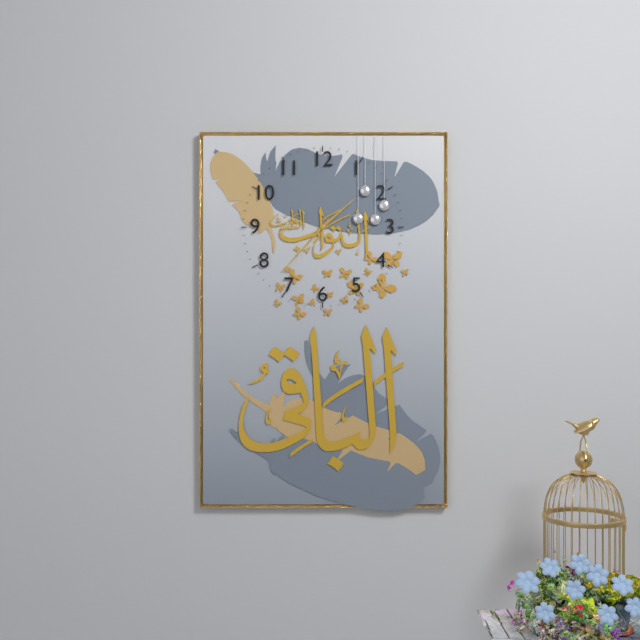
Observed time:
h=1 m=37
